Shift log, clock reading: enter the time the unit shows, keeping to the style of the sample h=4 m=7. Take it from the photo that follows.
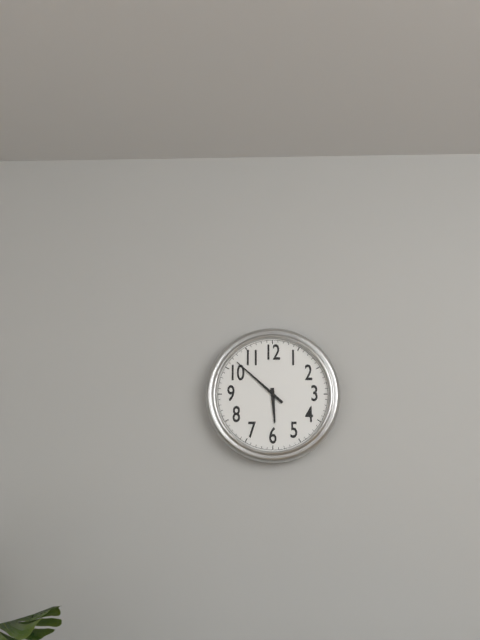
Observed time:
h=5 m=52
